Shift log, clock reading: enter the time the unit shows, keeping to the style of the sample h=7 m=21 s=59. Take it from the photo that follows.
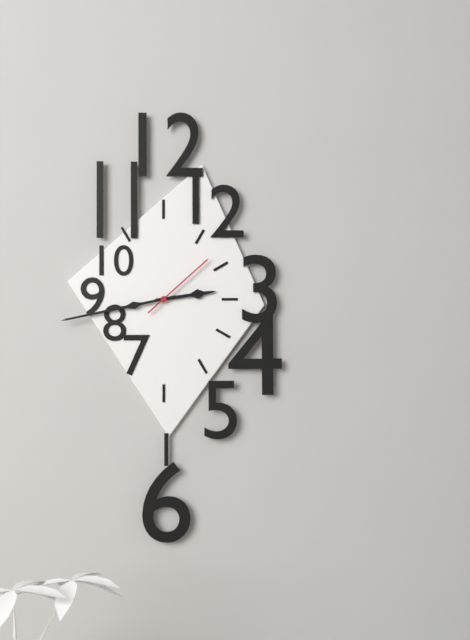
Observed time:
h=2 m=43 s=8
